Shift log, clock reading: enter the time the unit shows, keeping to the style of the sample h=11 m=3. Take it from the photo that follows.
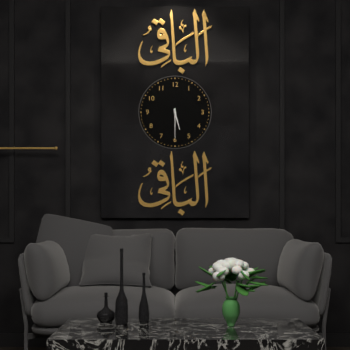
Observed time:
h=5 m=30
